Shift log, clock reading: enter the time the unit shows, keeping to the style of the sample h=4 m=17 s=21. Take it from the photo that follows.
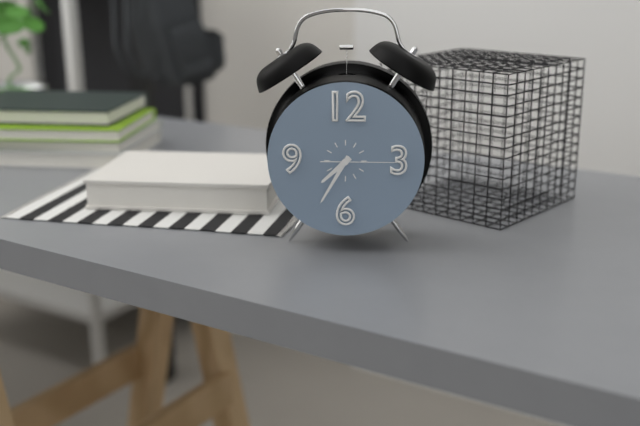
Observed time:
h=7 m=35 s=15
